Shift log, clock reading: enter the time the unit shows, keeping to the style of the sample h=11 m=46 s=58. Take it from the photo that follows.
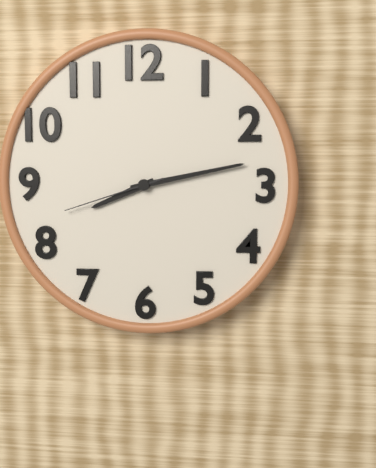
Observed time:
h=8 m=13 s=42
